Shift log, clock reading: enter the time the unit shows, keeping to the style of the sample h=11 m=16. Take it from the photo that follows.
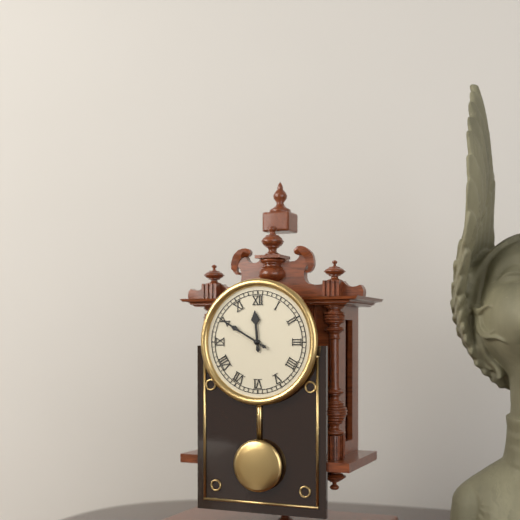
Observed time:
h=11 m=50
